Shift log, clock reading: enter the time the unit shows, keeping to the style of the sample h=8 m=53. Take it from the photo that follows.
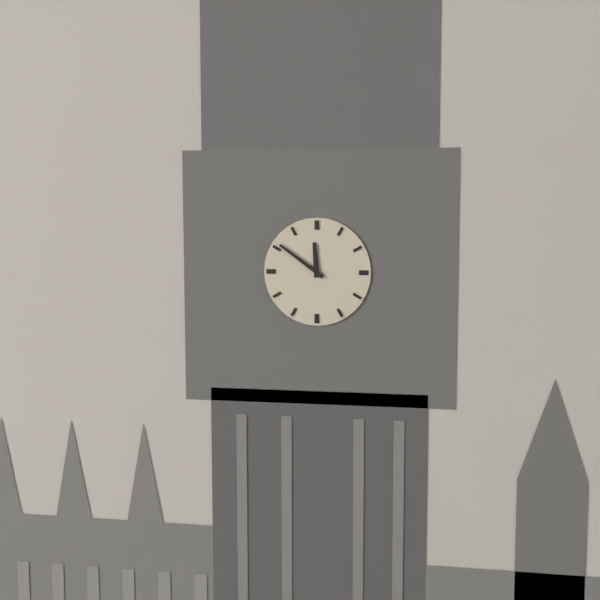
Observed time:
h=11 m=51
